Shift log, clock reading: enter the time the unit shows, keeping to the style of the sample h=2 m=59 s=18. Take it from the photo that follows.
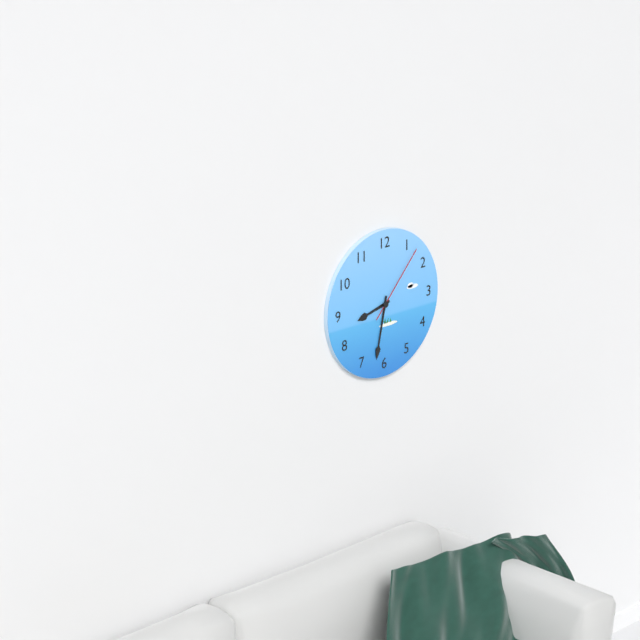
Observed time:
h=8 m=32 s=7
